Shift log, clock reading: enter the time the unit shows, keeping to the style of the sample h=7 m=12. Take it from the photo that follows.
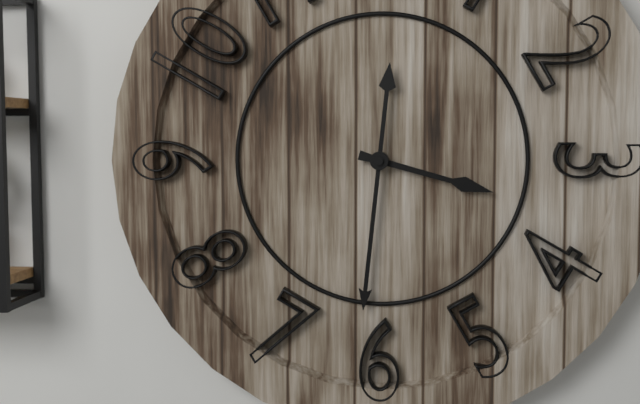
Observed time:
h=3 m=31
